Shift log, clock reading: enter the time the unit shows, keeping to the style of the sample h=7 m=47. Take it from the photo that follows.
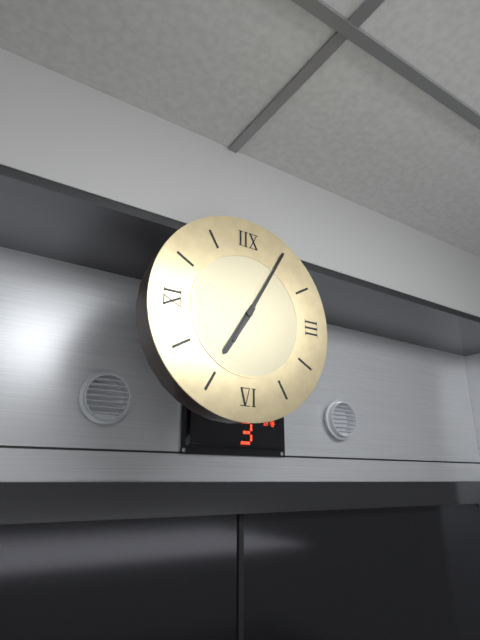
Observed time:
h=7 m=5
